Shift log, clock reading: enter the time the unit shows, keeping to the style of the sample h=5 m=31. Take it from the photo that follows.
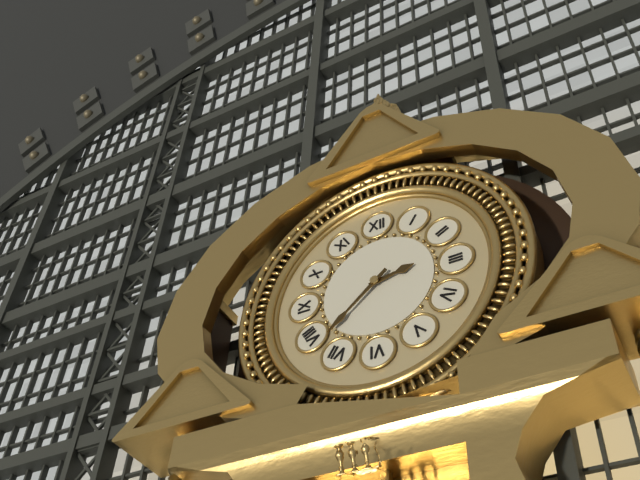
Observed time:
h=2 m=38
